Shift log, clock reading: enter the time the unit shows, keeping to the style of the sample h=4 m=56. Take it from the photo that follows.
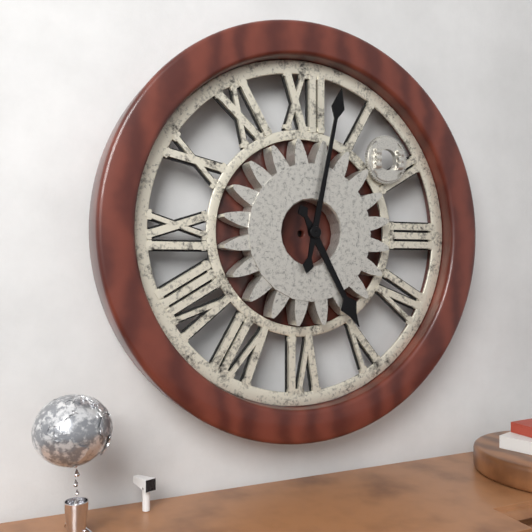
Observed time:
h=5 m=2
